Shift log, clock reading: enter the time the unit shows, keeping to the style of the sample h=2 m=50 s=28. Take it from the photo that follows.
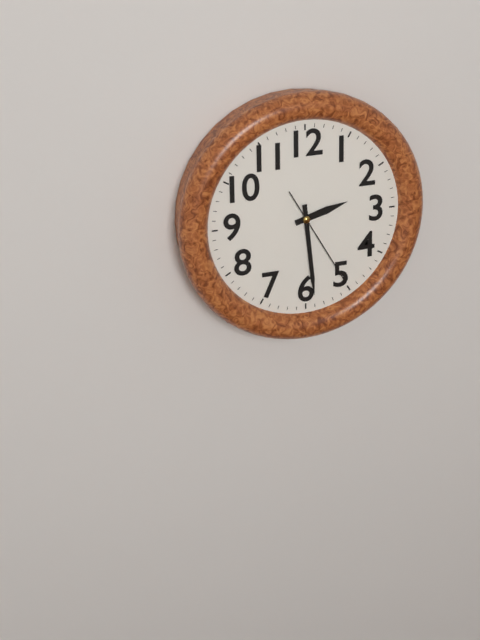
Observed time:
h=2 m=29 s=25
